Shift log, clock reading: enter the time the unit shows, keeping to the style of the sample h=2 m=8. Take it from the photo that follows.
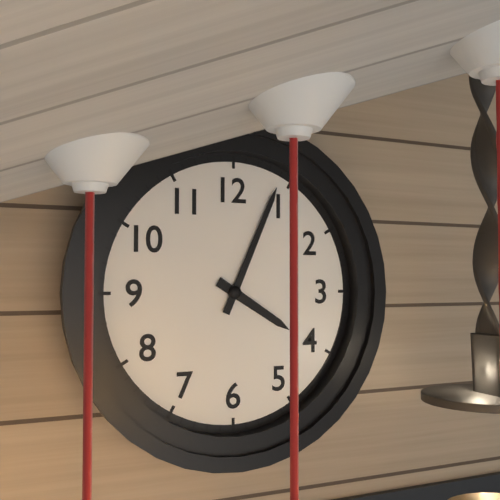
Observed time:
h=4 m=4
